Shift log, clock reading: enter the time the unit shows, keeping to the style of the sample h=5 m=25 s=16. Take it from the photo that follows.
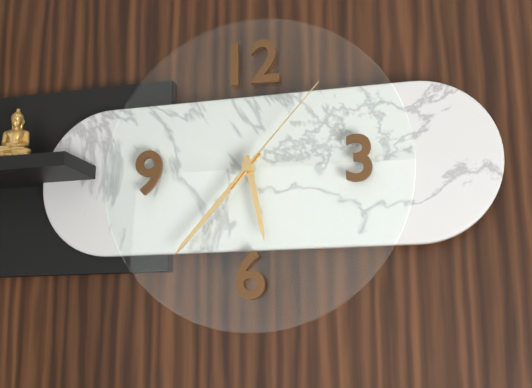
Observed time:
h=5 m=37 s=7
